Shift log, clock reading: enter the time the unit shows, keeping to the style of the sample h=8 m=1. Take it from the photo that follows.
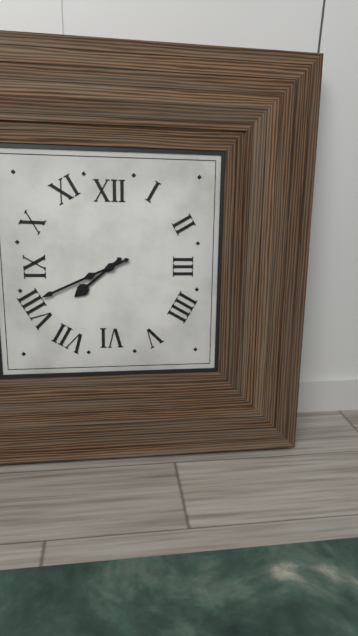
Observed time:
h=7 m=41
